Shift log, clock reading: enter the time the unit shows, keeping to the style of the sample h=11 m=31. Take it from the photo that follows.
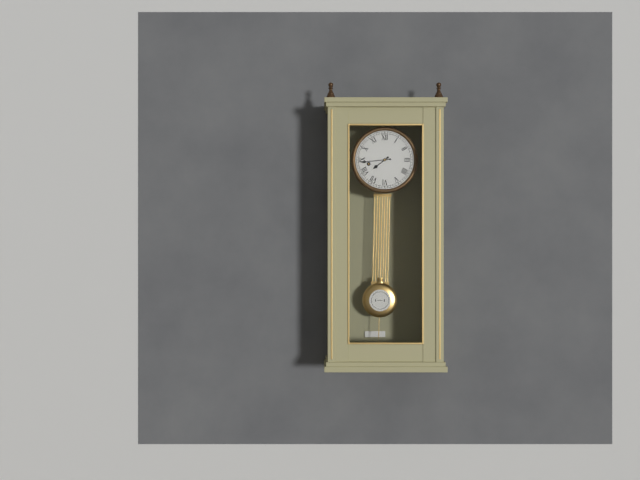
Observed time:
h=7 m=44
